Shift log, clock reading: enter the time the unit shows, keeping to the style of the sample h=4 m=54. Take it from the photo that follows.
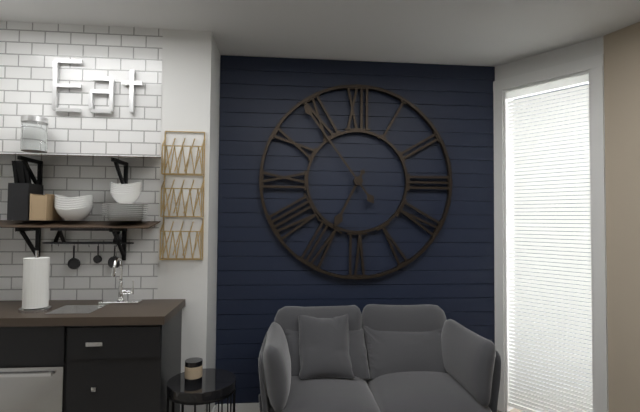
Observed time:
h=6 m=54
